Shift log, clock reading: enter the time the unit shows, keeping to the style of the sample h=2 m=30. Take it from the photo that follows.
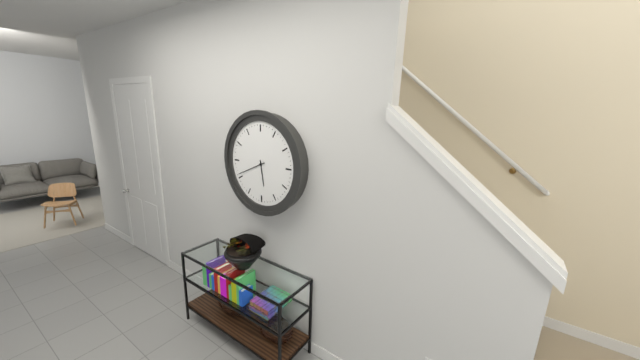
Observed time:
h=5 m=41
